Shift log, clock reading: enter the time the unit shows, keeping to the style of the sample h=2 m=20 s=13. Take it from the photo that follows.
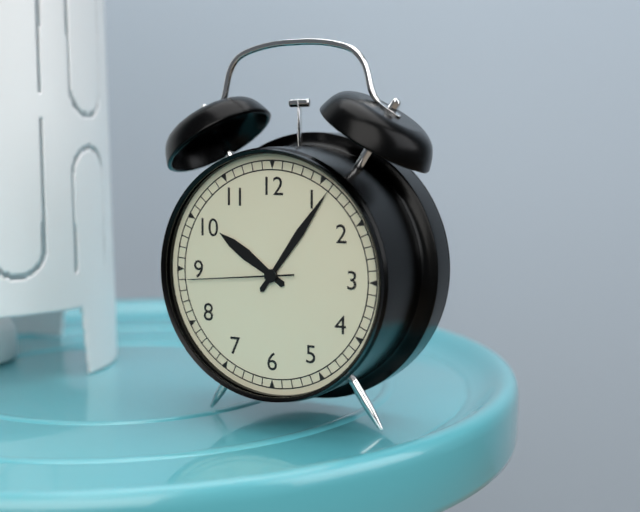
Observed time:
h=10 m=6 s=44
